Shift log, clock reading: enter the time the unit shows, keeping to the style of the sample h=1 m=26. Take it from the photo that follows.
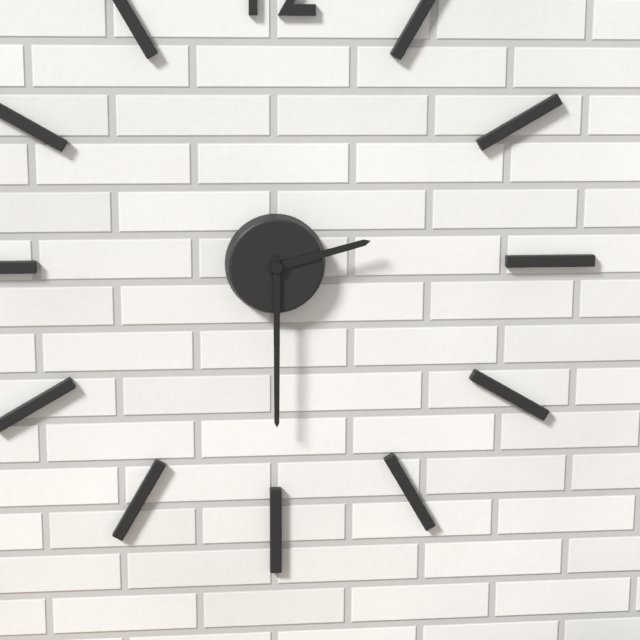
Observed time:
h=2 m=30
